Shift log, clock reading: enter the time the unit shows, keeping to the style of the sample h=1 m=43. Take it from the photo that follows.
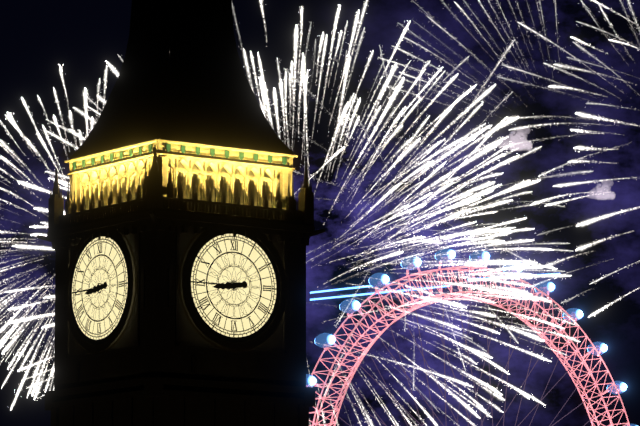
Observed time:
h=8 m=45
